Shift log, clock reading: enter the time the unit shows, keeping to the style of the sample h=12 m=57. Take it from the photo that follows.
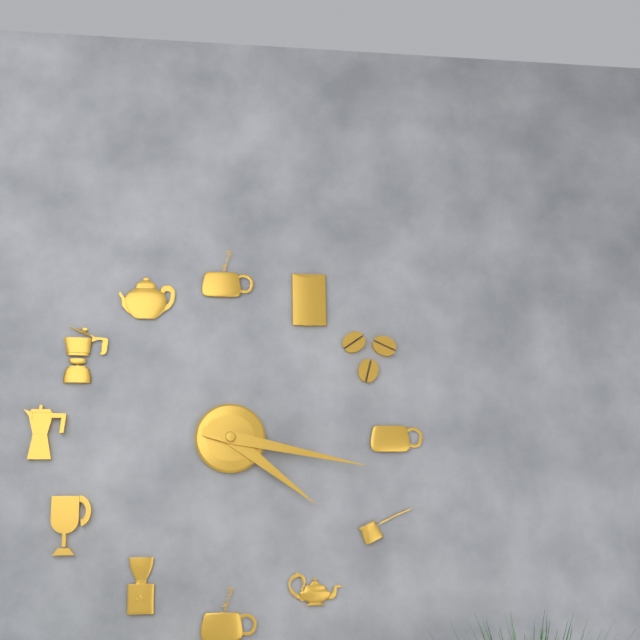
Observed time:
h=4 m=17
